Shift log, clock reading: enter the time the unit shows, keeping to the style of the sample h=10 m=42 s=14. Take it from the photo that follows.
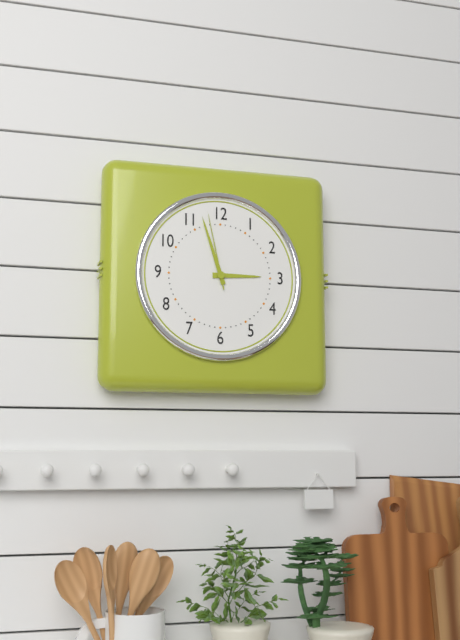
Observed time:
h=2 m=57 s=58
